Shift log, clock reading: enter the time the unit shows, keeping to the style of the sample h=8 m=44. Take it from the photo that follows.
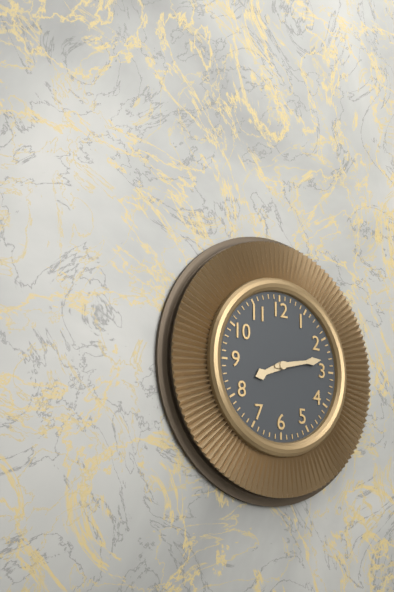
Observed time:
h=8 m=13
